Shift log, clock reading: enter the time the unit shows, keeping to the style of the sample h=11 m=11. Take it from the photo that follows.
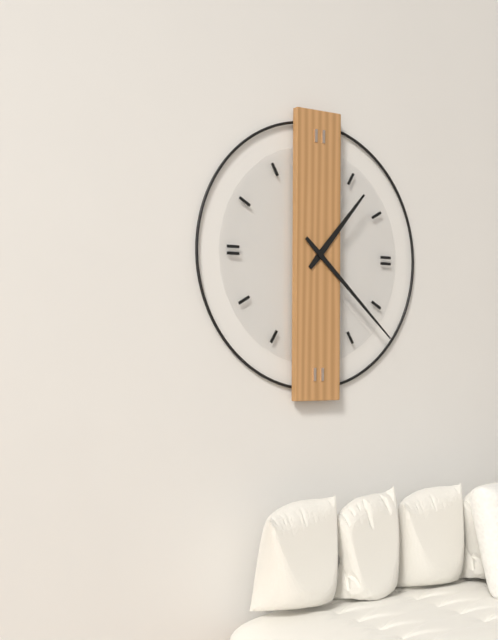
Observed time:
h=1 m=22
